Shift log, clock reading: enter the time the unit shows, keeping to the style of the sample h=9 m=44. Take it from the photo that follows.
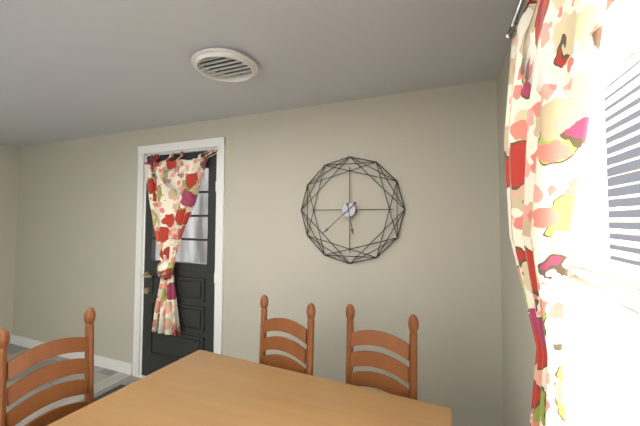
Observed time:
h=5 m=38
